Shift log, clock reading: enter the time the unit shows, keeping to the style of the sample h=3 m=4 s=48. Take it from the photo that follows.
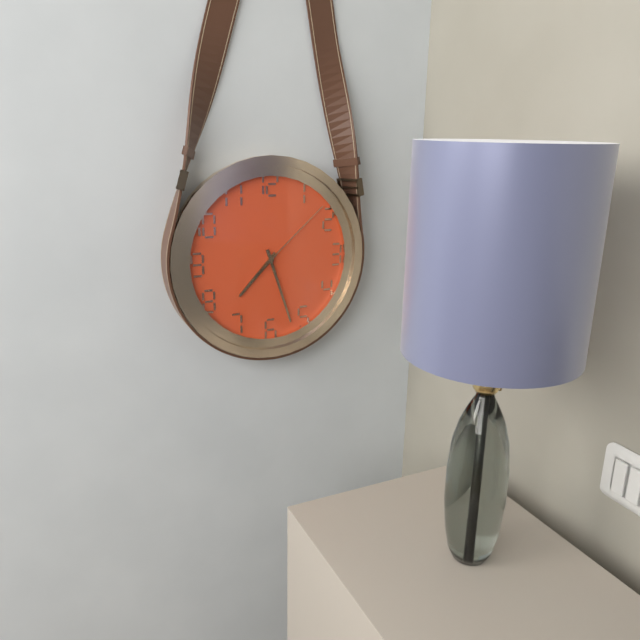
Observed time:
h=7 m=27 s=8
